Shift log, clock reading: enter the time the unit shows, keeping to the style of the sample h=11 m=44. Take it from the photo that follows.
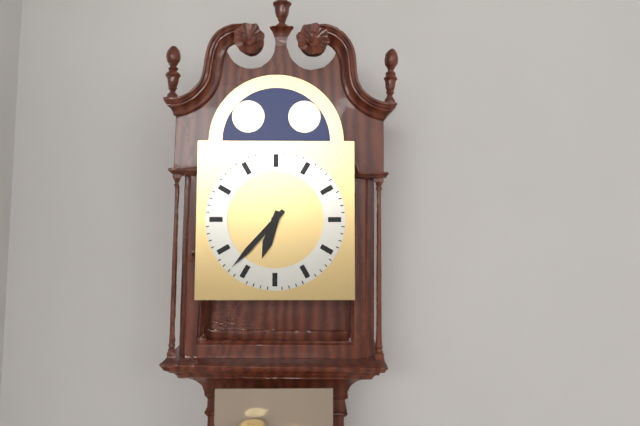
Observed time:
h=6 m=37
